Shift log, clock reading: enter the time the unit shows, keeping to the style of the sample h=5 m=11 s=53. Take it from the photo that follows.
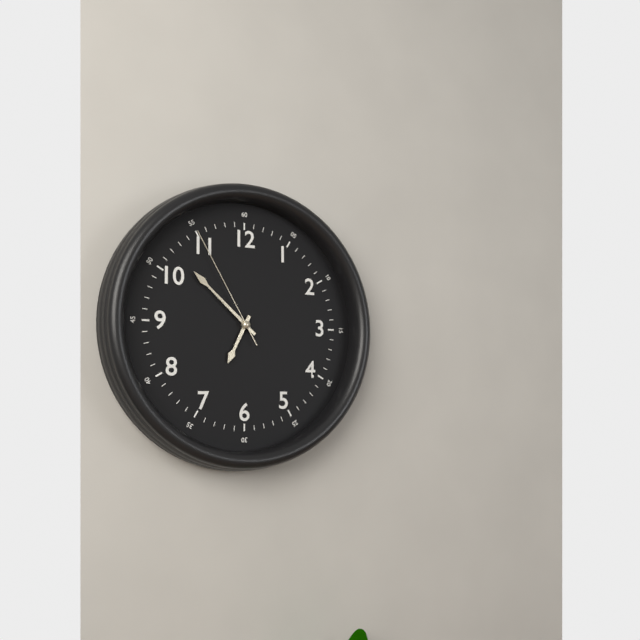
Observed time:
h=6 m=52 s=55
